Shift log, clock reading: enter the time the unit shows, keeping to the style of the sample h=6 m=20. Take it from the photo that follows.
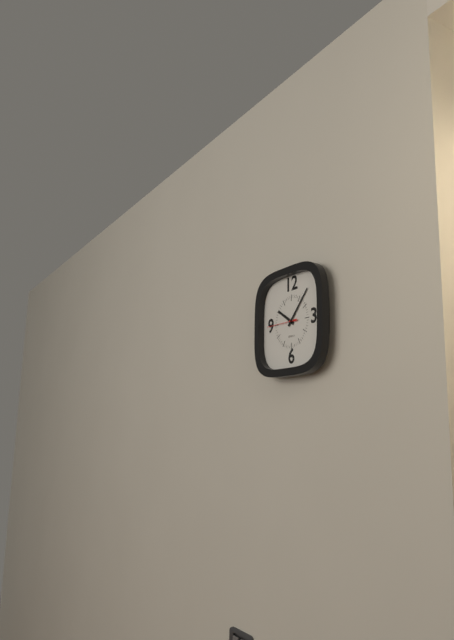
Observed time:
h=10 m=7
